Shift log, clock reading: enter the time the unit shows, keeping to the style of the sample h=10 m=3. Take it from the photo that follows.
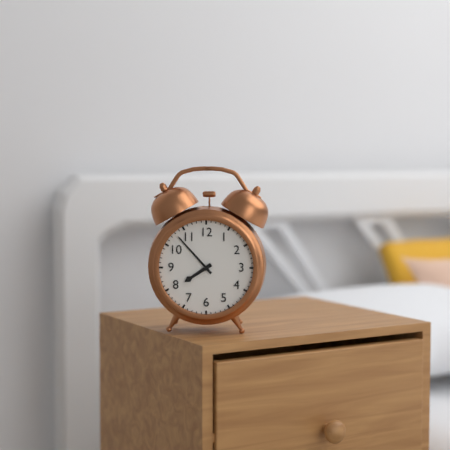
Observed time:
h=7 m=53
